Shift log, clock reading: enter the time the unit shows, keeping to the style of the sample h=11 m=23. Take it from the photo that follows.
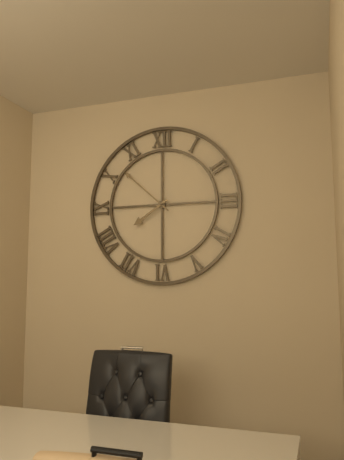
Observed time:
h=7 m=52
